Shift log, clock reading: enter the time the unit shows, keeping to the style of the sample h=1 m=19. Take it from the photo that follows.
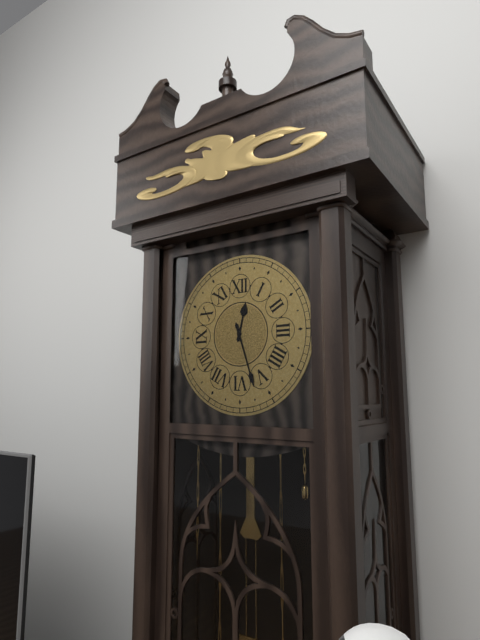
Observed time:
h=12 m=27
